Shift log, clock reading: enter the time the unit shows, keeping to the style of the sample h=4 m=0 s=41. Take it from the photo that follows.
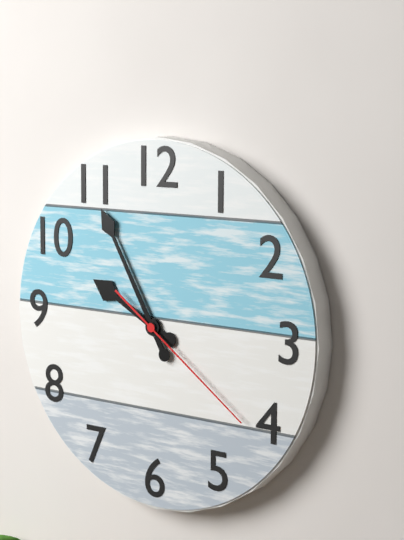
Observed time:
h=9 m=55 s=21
